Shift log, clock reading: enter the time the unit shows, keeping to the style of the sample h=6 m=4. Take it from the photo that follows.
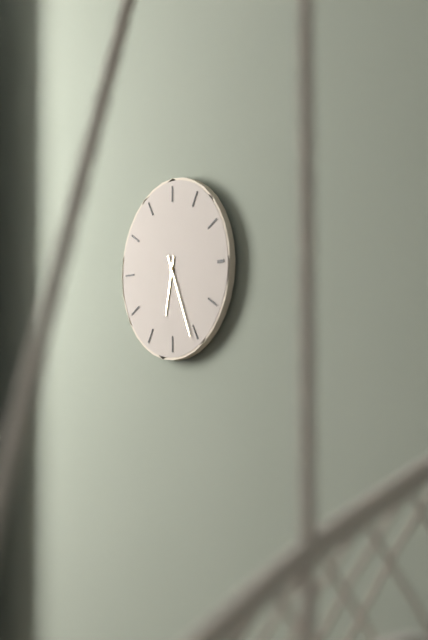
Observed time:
h=6 m=26
